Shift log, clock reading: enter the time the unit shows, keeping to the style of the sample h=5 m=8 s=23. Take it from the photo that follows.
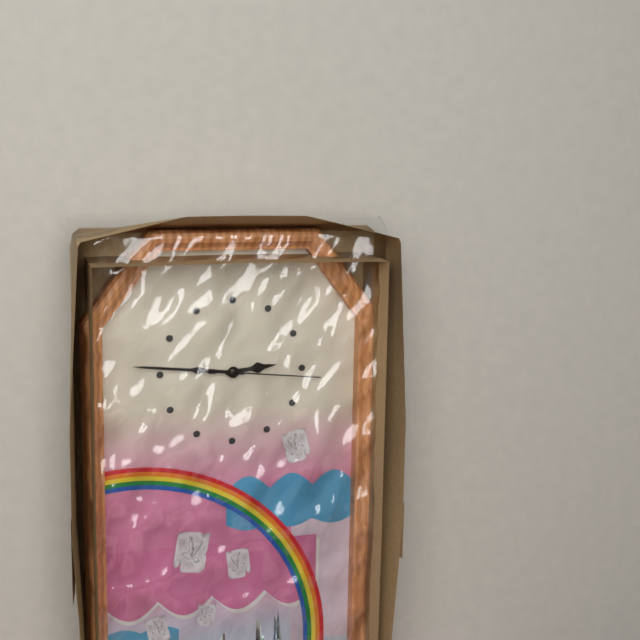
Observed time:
h=2 m=46 s=16
